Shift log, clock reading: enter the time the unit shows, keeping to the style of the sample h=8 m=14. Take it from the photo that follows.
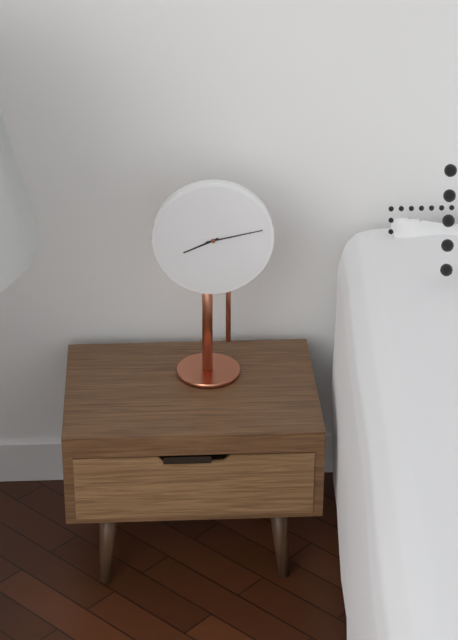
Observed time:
h=8 m=13
